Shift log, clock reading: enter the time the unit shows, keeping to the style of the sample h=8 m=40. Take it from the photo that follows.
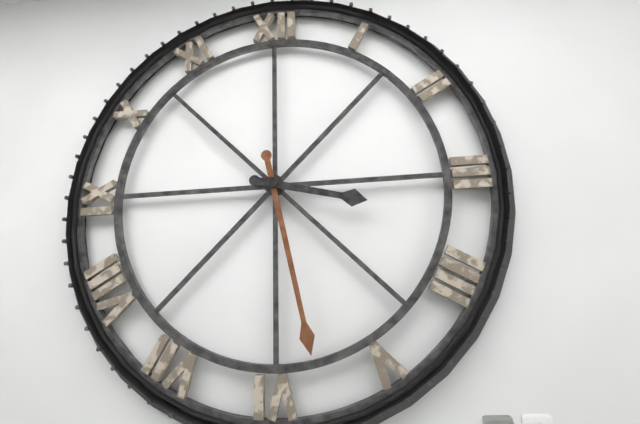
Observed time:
h=3 m=28
